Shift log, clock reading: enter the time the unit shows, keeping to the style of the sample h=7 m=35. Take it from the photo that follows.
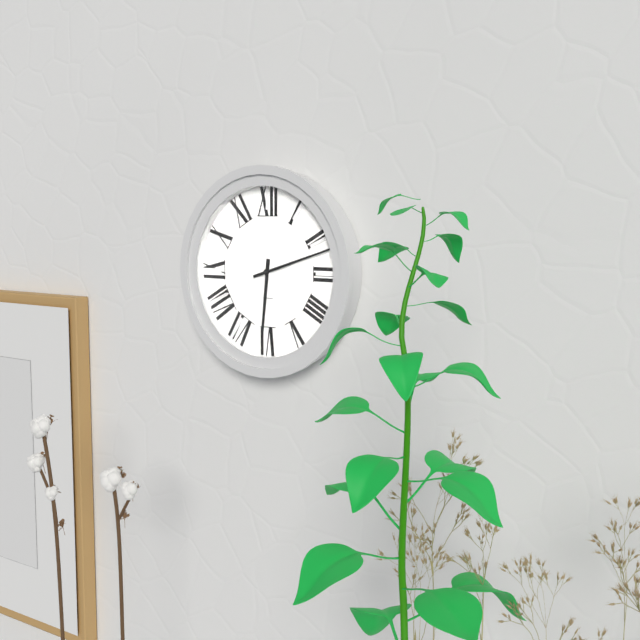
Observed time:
h=6 m=12
